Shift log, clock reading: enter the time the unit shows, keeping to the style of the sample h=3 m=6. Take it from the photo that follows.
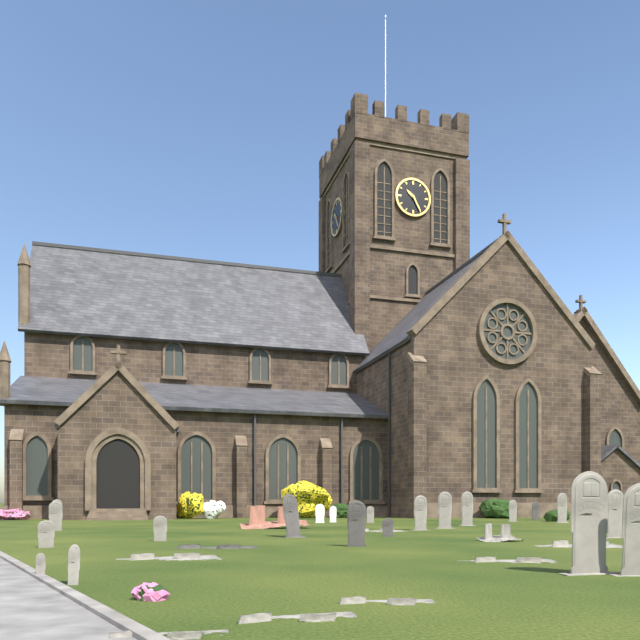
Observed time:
h=10 m=25
